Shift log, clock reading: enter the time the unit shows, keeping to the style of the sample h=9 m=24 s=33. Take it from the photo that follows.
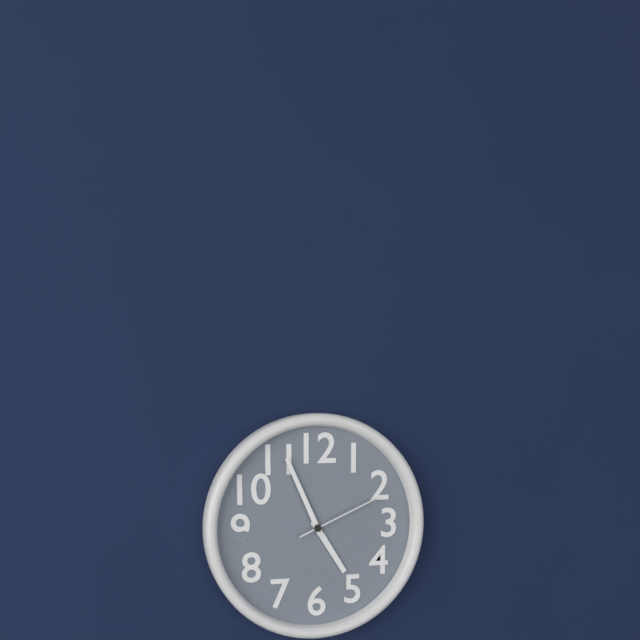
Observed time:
h=4 m=56 s=11
